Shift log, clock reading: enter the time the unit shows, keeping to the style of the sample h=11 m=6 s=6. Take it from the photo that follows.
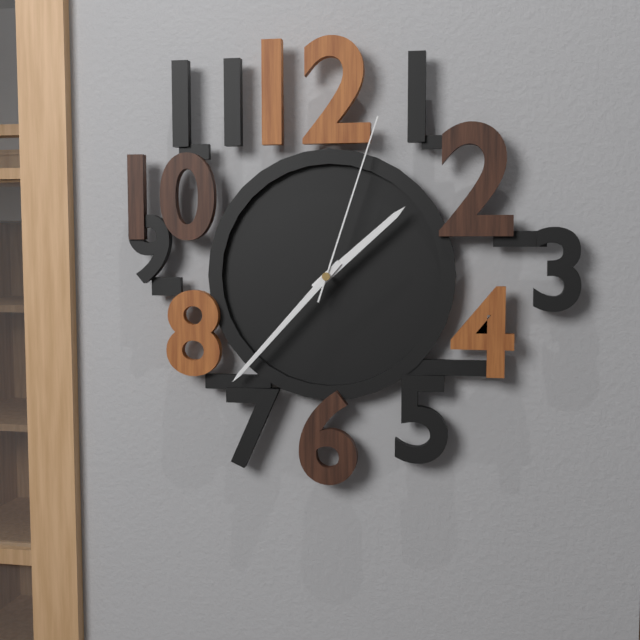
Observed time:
h=1 m=37 s=3
